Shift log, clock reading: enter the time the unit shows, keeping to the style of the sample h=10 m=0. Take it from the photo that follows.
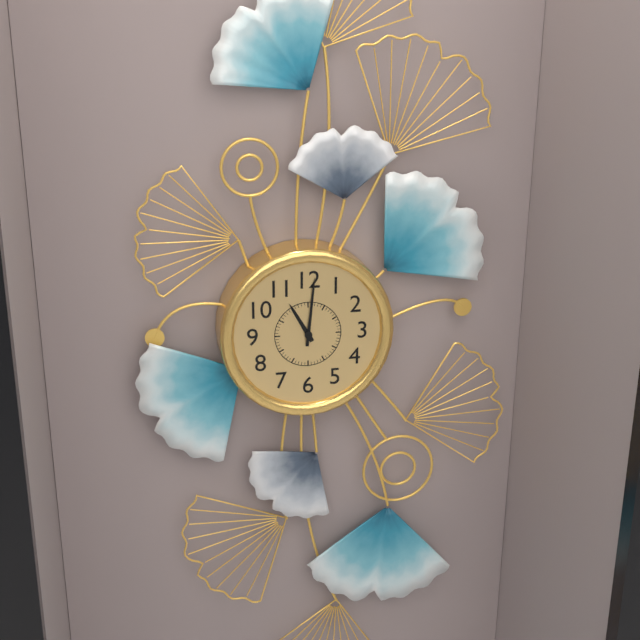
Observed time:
h=11 m=1
